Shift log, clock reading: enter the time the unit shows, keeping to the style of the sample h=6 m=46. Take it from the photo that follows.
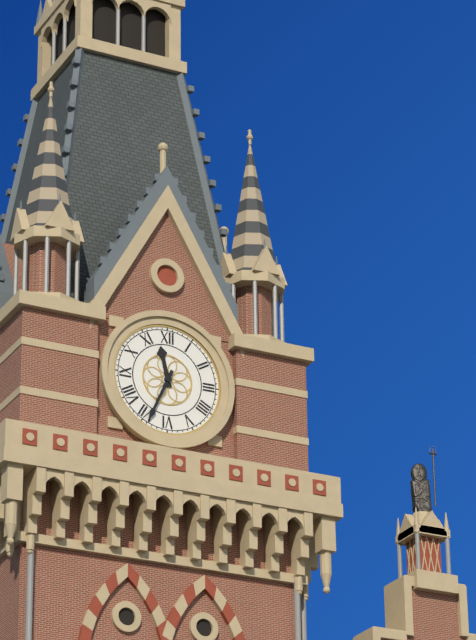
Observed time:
h=11 m=34
